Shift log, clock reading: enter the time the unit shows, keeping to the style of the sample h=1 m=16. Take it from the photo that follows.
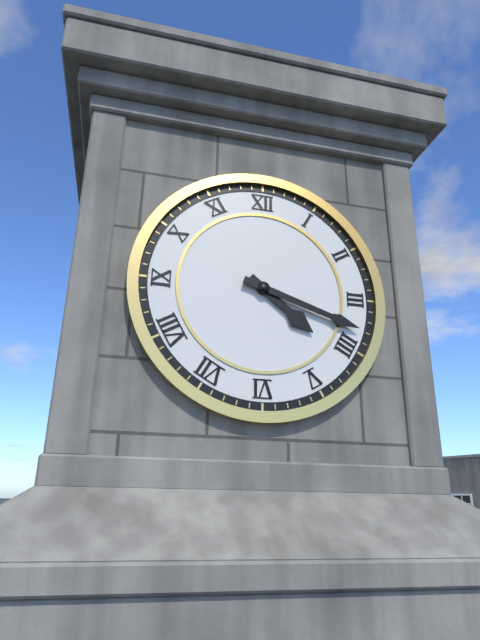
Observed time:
h=4 m=18
